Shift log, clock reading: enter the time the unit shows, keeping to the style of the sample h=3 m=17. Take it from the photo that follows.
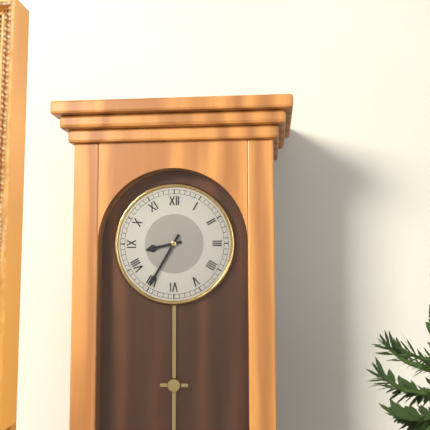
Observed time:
h=8 m=35
